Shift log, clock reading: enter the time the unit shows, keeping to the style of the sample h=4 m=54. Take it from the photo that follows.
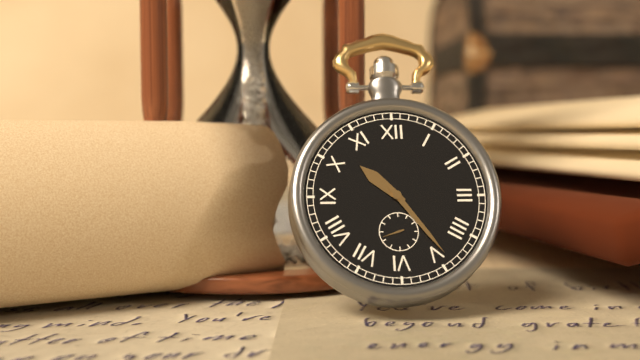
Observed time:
h=10 m=24
